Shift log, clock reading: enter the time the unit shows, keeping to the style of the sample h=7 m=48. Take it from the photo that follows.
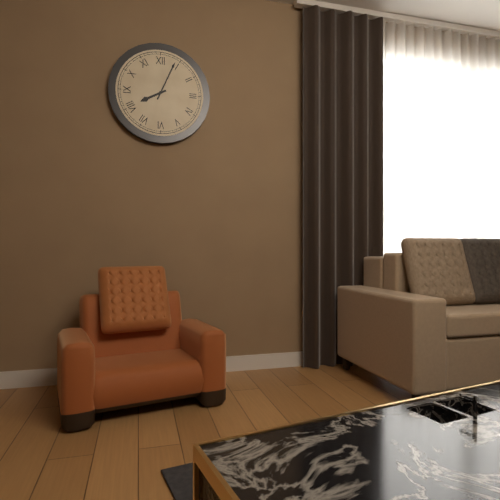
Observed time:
h=8 m=4
